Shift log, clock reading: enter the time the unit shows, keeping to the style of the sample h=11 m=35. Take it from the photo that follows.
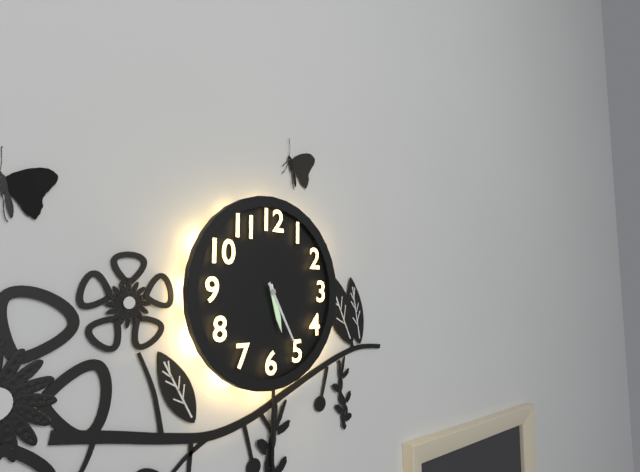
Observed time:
h=5 m=25
